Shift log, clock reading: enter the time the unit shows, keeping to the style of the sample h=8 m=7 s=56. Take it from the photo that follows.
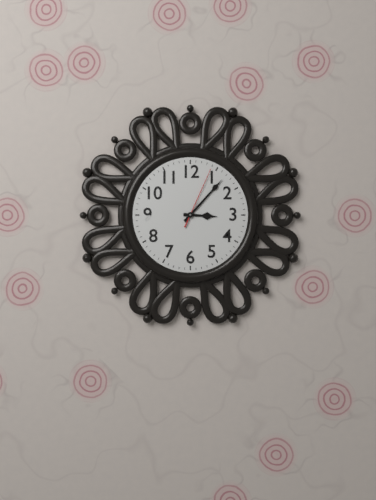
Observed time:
h=3 m=7 s=4
